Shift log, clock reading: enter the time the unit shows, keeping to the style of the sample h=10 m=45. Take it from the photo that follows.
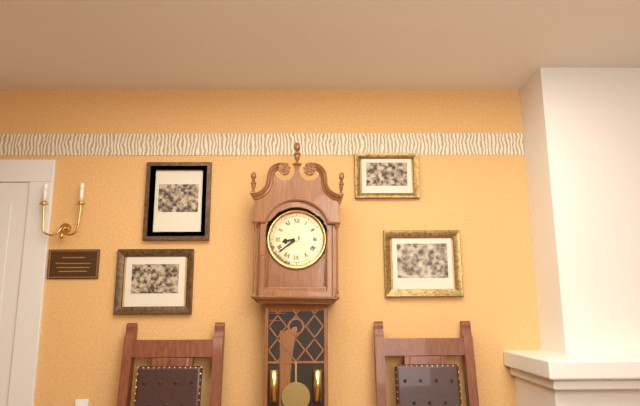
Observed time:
h=8 m=39
